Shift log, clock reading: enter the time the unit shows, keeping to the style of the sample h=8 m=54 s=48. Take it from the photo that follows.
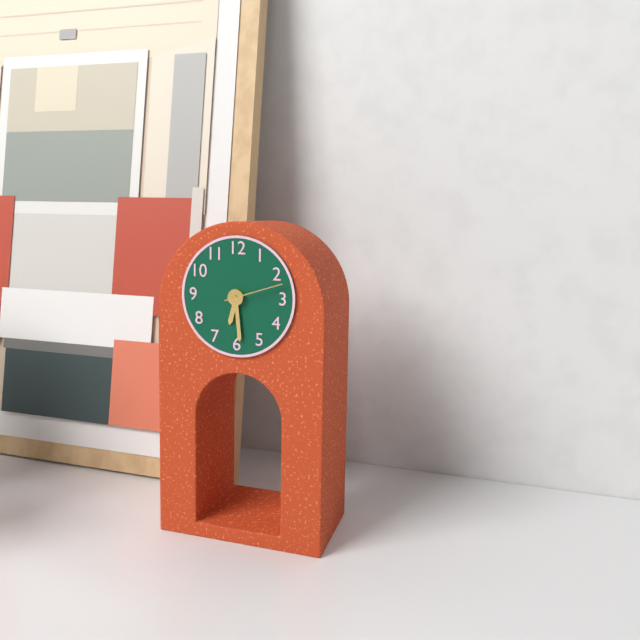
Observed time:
h=6 m=29 s=12
